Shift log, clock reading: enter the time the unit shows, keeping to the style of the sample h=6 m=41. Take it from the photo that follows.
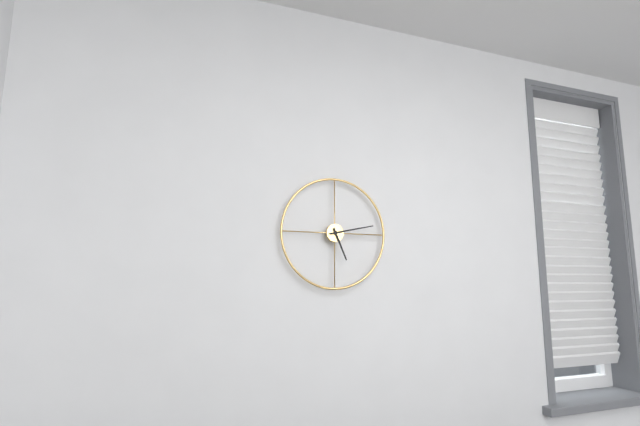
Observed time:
h=5 m=13
